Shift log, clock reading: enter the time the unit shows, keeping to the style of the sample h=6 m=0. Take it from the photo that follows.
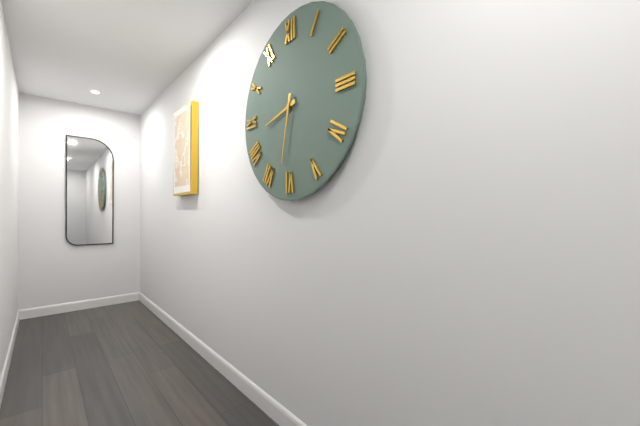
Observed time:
h=8 m=32
